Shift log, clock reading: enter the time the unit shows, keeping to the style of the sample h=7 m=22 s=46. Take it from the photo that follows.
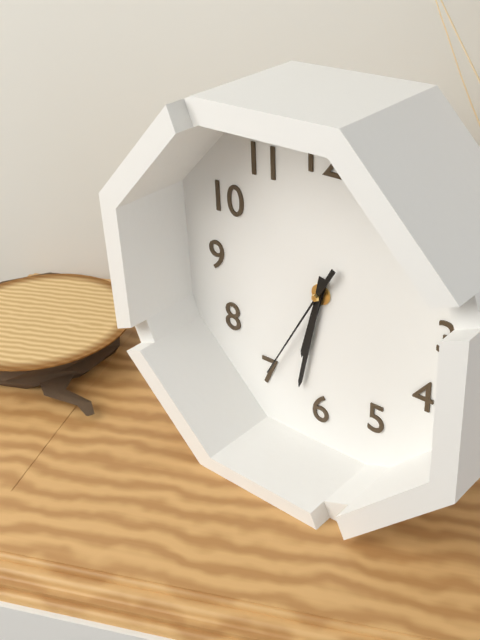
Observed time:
h=6 m=32 s=35
